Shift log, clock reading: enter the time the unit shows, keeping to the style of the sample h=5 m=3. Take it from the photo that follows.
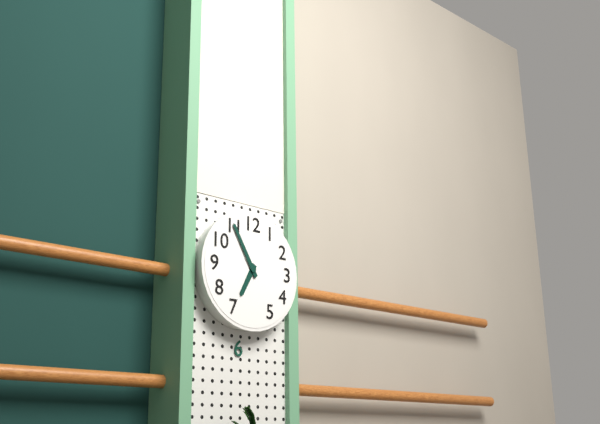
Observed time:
h=6 m=55
